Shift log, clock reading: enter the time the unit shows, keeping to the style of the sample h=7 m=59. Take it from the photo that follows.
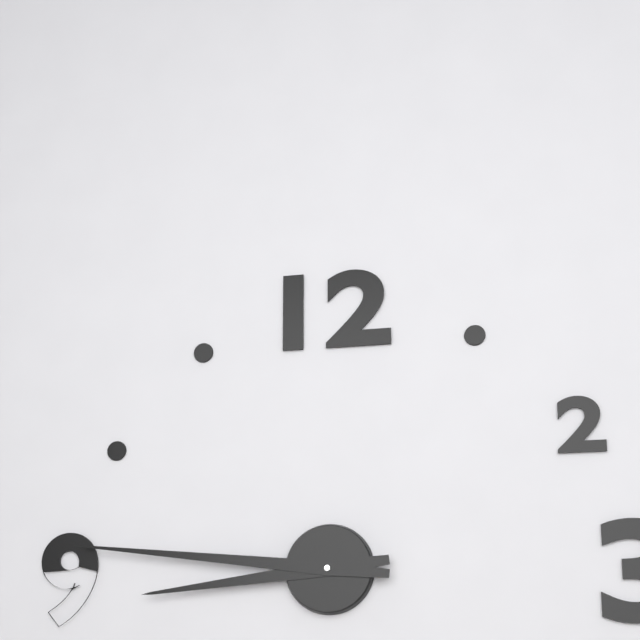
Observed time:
h=8 m=46
